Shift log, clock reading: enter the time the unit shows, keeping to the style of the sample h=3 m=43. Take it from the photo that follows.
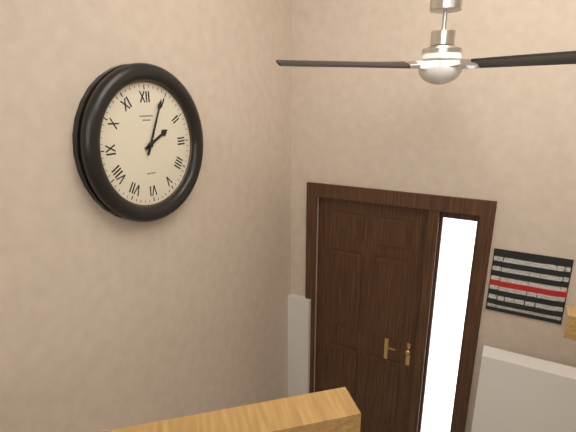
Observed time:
h=2 m=4
